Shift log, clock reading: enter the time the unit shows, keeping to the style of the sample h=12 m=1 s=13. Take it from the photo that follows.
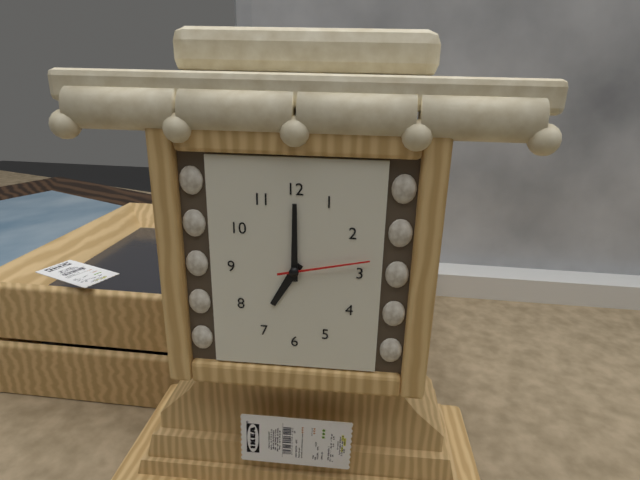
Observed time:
h=7 m=0 s=13
